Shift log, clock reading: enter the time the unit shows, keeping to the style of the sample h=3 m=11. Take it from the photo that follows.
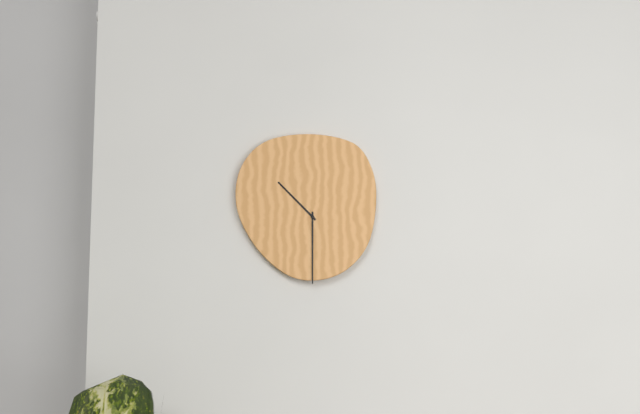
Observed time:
h=10 m=30
